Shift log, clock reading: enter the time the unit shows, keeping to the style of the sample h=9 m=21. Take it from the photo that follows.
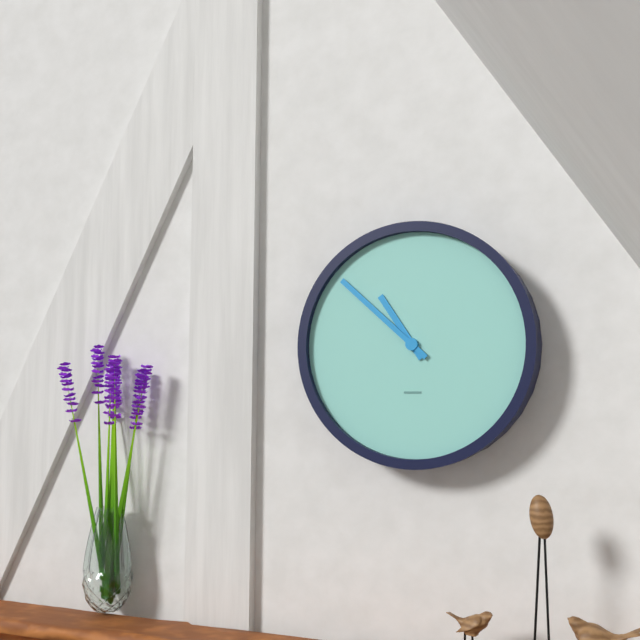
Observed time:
h=10 m=52
